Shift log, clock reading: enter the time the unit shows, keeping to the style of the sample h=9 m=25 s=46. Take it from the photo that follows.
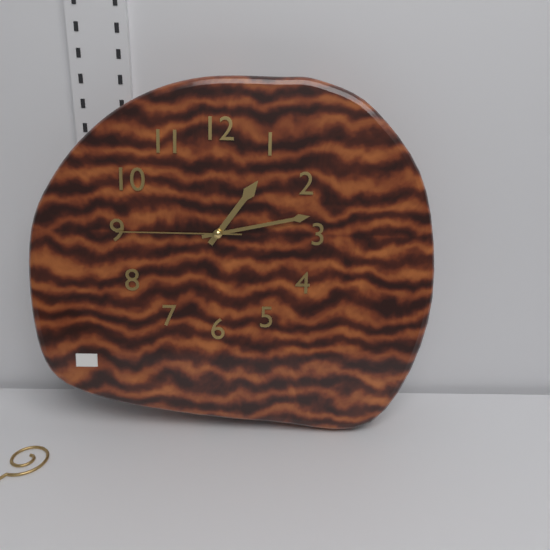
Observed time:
h=1 m=13 s=45
